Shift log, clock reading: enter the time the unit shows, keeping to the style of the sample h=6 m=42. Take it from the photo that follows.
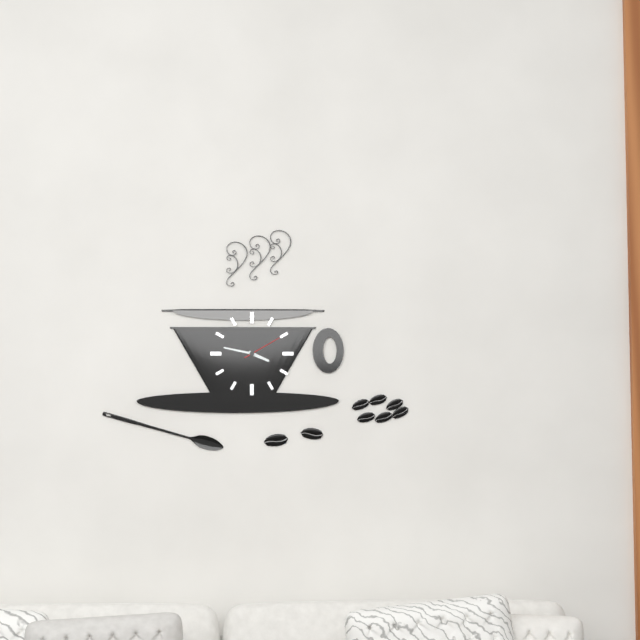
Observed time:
h=3 m=47
